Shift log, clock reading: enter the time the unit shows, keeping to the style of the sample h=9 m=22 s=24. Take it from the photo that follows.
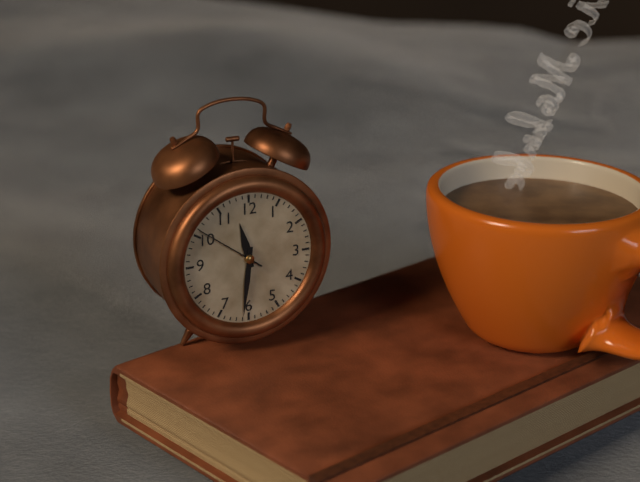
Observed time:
h=11 m=31 s=51
